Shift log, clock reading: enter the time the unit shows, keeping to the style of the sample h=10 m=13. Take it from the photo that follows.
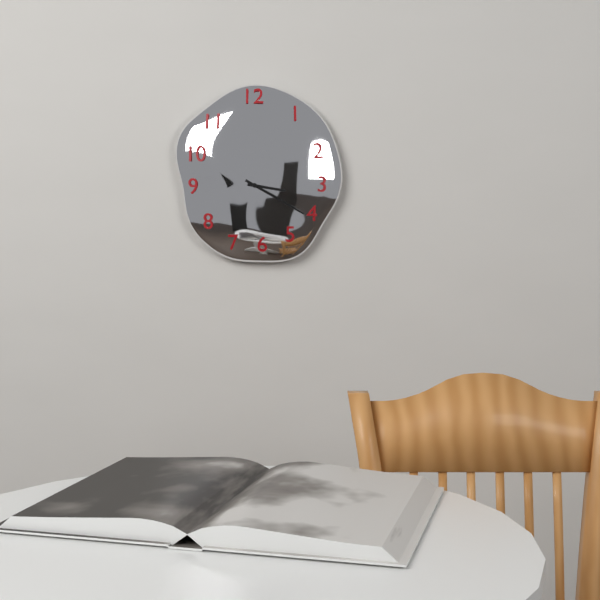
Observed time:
h=3 m=20
